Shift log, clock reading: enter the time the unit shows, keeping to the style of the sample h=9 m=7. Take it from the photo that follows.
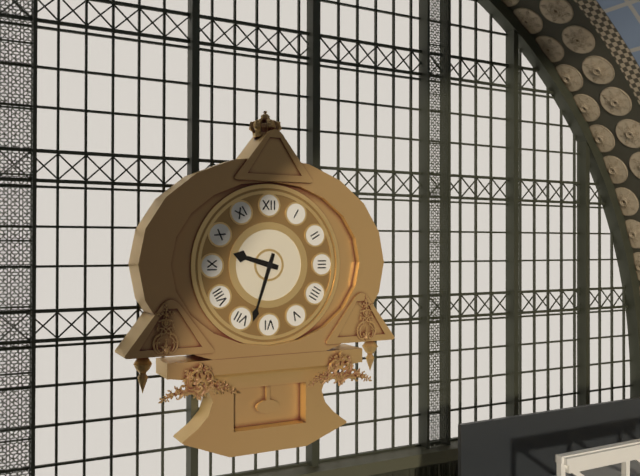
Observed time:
h=9 m=33
